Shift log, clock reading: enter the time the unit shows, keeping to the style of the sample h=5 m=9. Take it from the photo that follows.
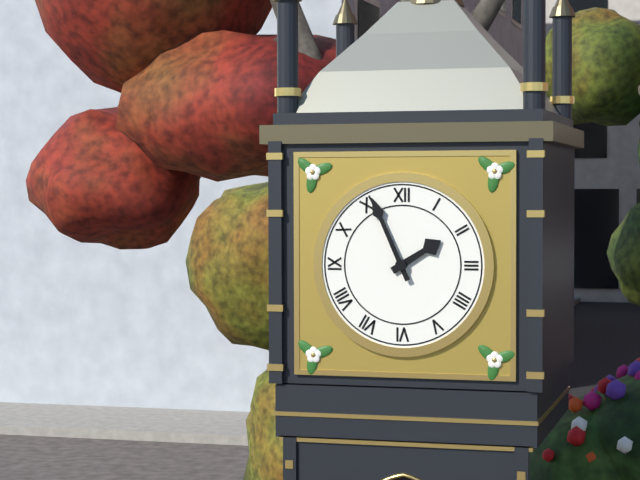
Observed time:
h=1 m=56
